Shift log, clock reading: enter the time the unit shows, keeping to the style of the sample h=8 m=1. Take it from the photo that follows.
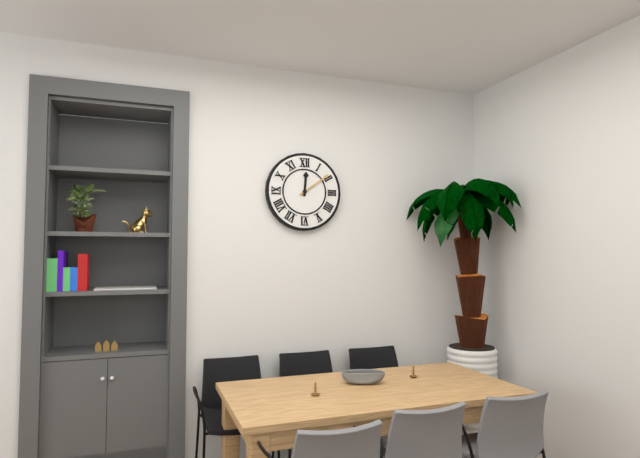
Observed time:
h=12 m=9
